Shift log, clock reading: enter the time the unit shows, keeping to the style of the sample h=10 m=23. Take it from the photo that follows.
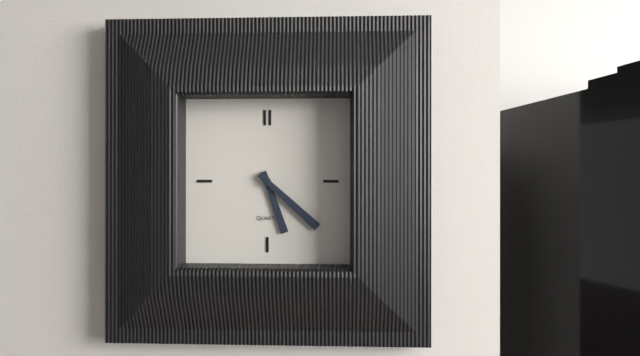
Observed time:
h=5 m=22
